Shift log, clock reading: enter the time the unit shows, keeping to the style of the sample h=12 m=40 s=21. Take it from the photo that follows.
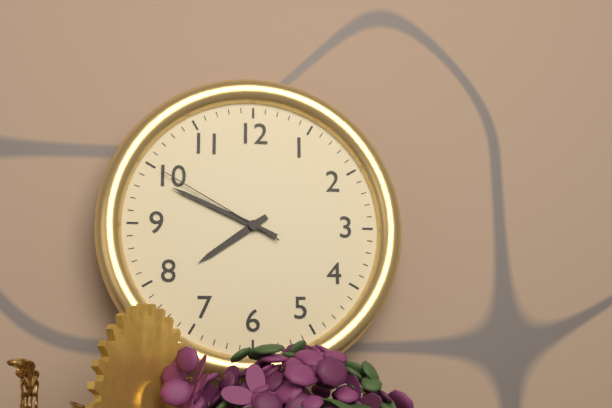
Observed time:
h=7 m=49 s=50
